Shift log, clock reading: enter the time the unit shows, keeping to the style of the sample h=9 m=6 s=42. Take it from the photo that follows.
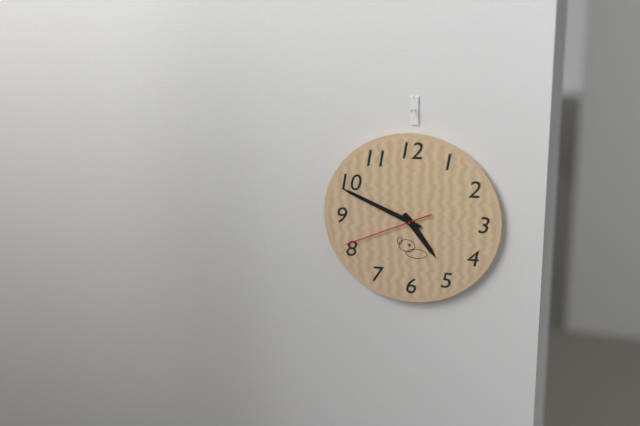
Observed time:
h=4 m=49 s=41
